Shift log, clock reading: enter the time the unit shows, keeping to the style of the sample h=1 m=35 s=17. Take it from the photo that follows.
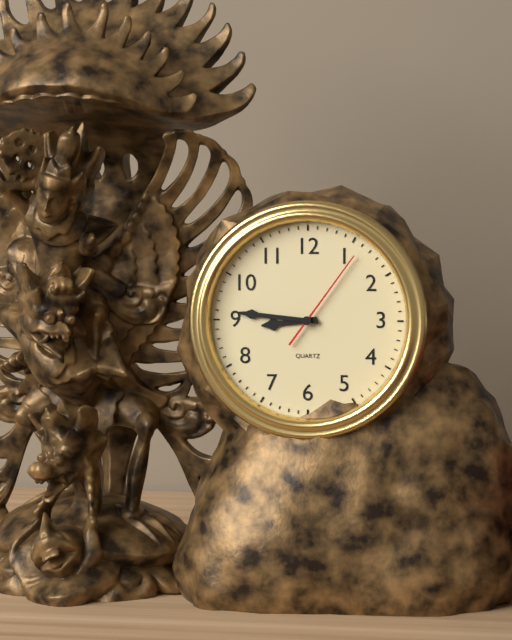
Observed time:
h=8 m=46 s=6
